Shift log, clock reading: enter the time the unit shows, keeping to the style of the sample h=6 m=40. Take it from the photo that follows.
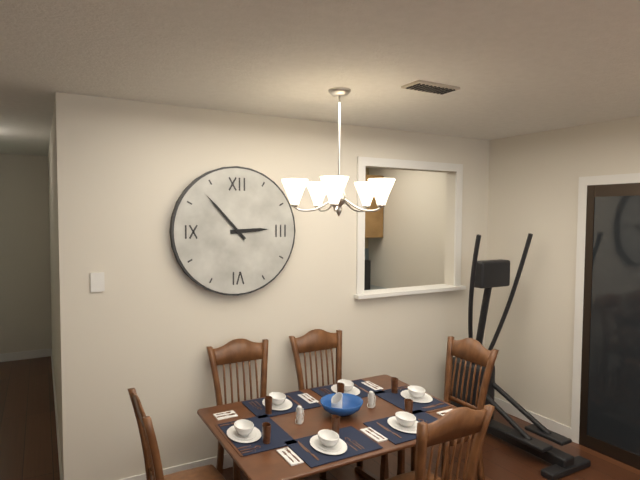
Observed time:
h=2 m=53
